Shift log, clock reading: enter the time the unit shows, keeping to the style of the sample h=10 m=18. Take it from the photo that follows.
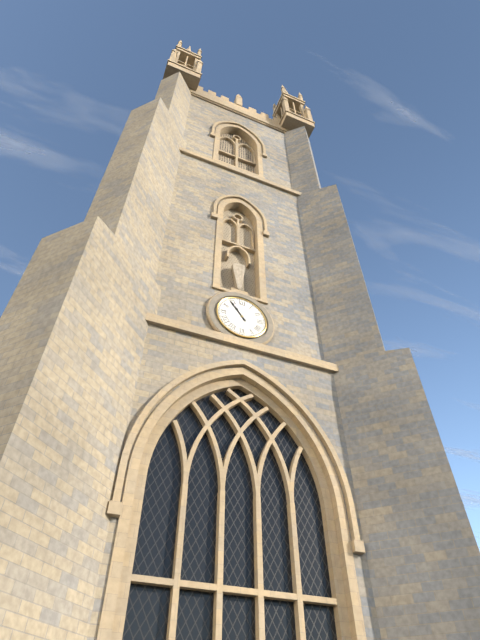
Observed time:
h=10 m=54
